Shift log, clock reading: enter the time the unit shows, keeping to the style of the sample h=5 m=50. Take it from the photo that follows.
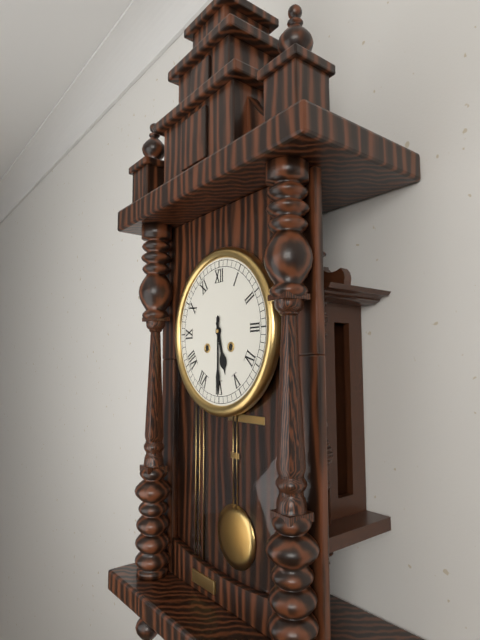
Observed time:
h=5 m=30
